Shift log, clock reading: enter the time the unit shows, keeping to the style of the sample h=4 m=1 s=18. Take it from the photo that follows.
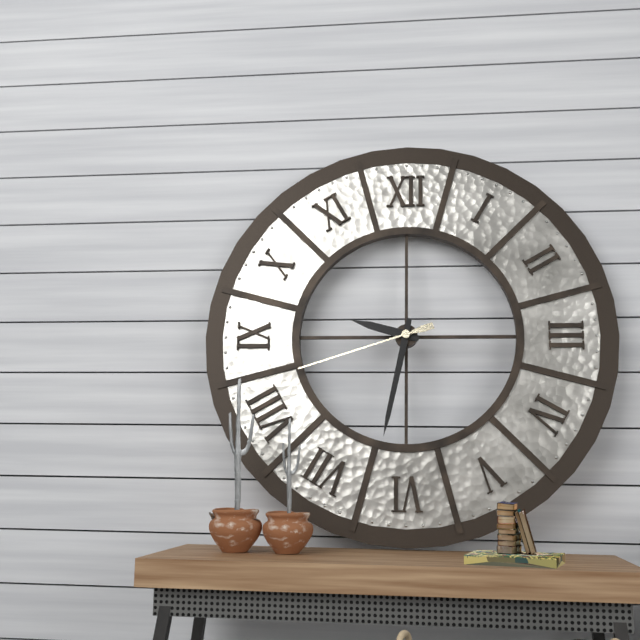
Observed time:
h=9 m=32 s=42
